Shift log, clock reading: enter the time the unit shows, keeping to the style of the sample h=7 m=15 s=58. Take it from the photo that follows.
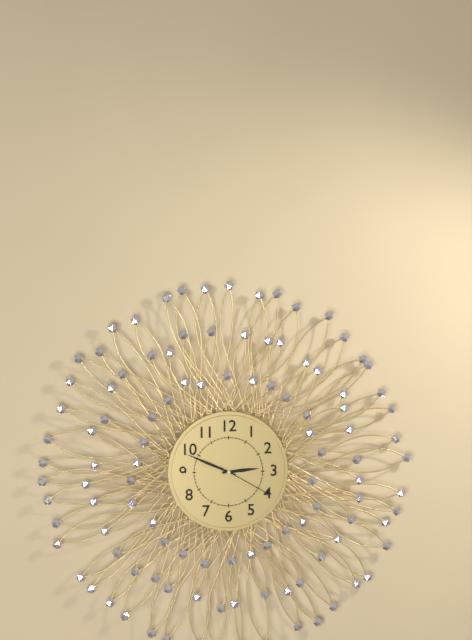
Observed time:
h=2 m=49 s=20
